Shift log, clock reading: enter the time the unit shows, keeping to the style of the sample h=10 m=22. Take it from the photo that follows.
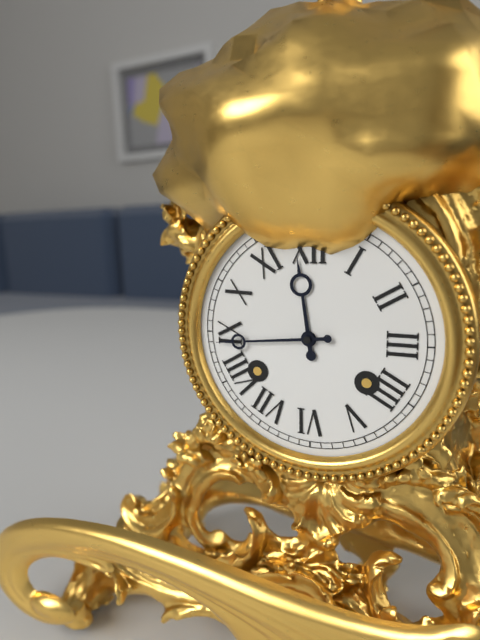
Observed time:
h=11 m=44
